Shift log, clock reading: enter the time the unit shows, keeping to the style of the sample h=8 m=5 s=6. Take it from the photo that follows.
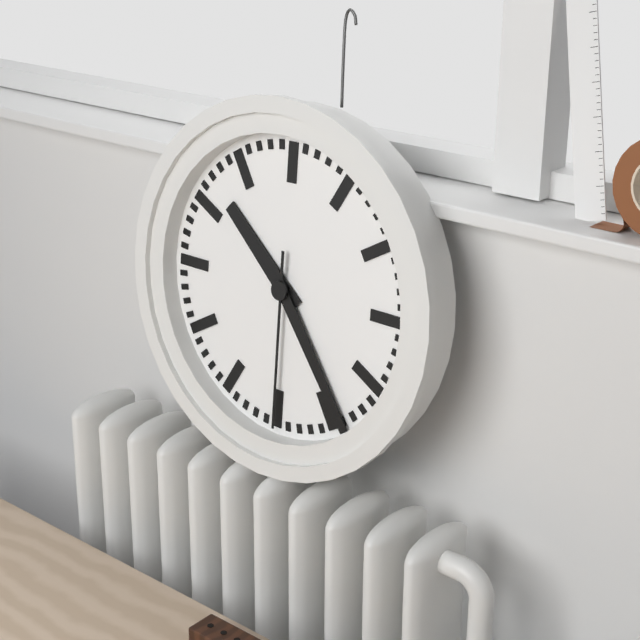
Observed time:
h=10 m=24 s=30
